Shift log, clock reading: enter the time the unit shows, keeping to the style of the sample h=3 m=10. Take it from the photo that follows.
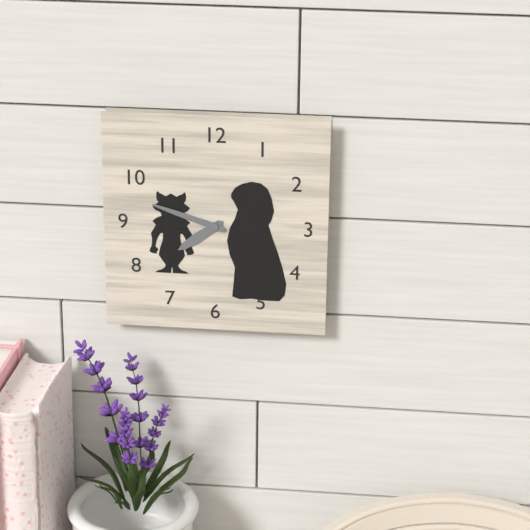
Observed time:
h=7 m=48
